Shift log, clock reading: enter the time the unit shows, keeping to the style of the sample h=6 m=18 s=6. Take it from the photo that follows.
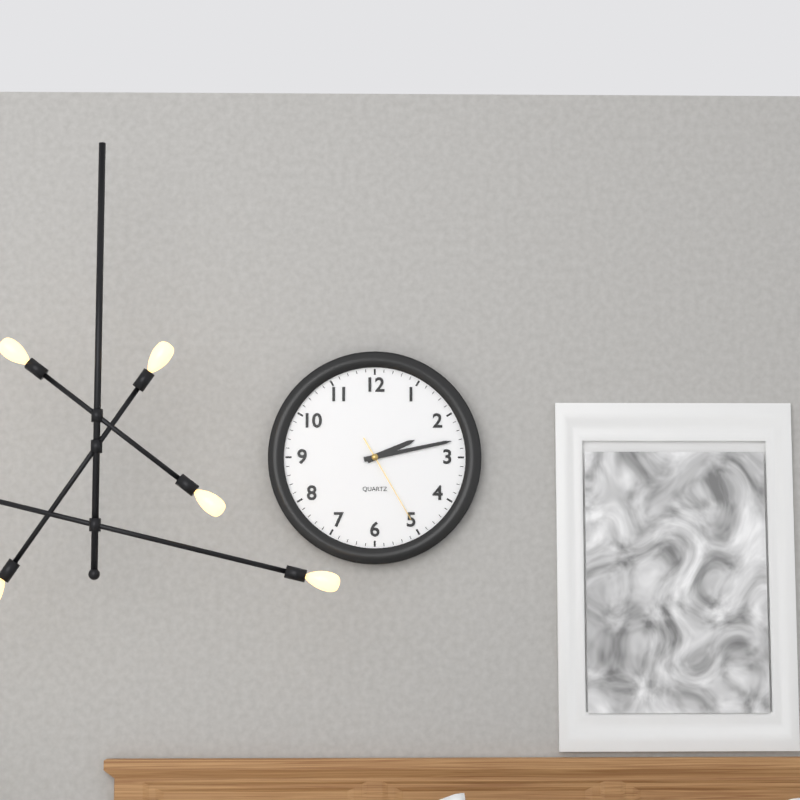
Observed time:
h=2 m=13 s=25
